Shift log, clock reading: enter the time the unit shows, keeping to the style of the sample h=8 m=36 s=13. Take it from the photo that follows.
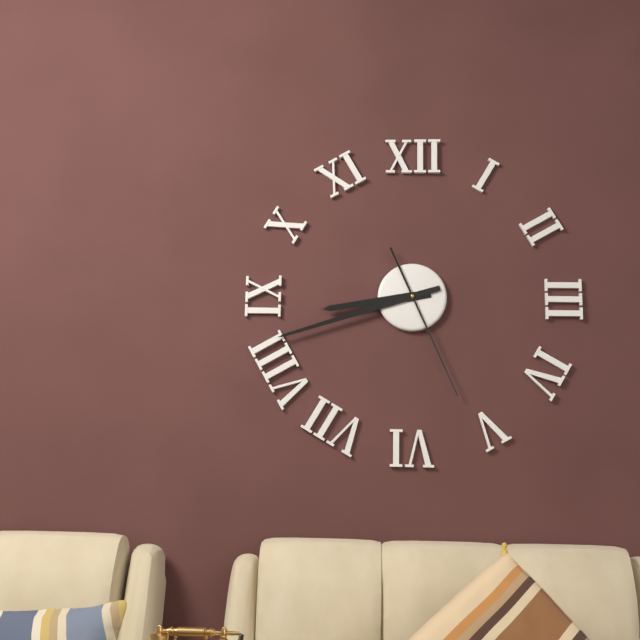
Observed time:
h=8 m=42 s=26
